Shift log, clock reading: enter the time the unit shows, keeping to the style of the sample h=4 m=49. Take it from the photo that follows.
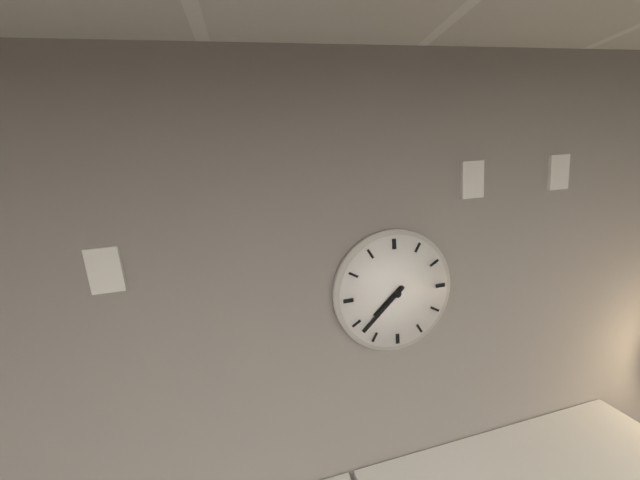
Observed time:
h=7 m=38
